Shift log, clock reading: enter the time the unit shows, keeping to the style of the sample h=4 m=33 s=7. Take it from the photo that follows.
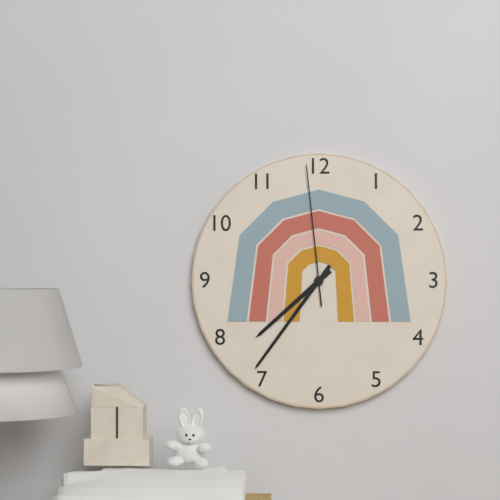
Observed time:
h=7 m=36 s=59
